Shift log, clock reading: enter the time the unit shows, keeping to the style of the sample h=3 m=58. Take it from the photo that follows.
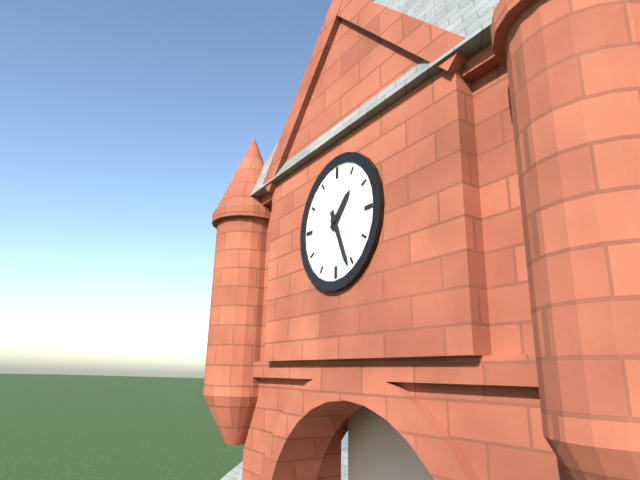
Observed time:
h=1 m=26
